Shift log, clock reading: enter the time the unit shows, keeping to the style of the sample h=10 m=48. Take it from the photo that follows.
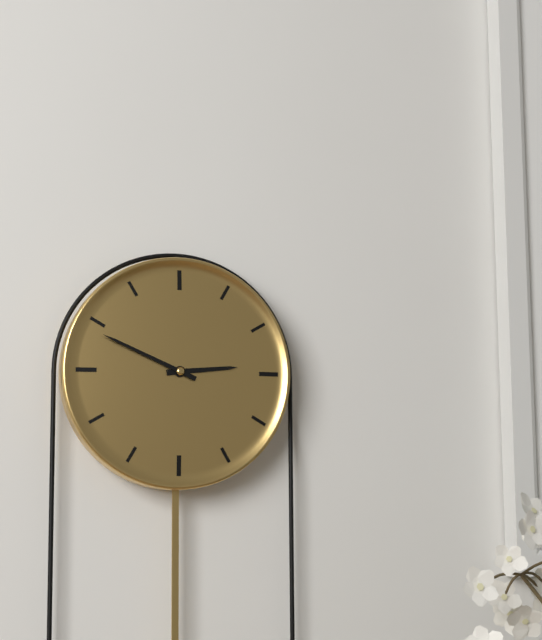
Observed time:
h=2 m=49
